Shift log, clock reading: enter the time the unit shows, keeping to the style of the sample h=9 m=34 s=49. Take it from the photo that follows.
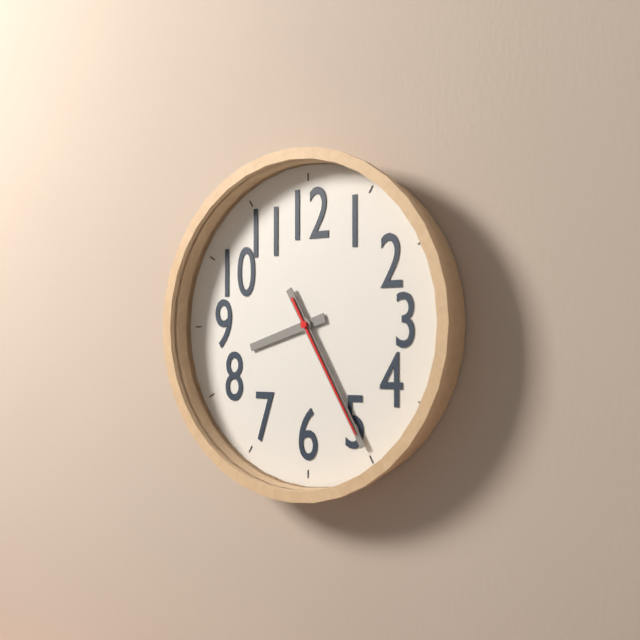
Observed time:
h=8 m=25 s=25
